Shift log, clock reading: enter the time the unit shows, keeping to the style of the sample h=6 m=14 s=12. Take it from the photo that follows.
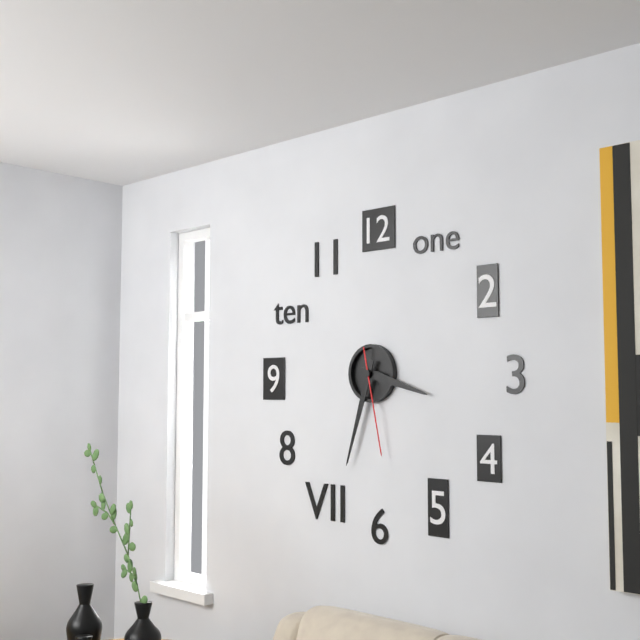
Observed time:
h=3 m=33 s=28
